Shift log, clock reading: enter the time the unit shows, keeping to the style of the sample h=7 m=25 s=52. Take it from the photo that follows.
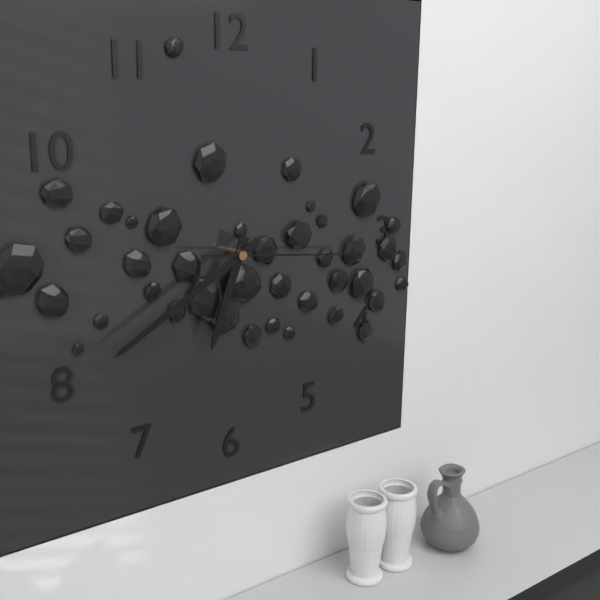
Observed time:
h=6 m=40 s=16
